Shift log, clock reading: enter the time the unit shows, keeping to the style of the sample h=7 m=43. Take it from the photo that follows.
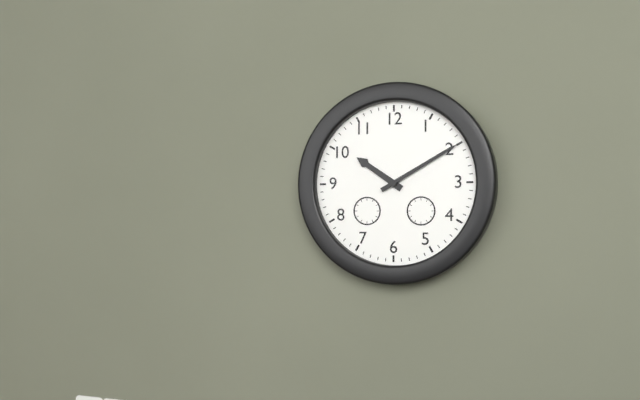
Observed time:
h=10 m=10
